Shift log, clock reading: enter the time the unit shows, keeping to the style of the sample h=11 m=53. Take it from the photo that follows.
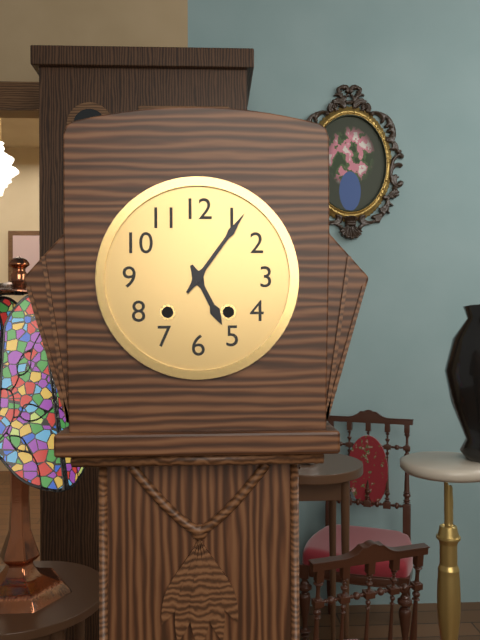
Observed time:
h=5 m=6
